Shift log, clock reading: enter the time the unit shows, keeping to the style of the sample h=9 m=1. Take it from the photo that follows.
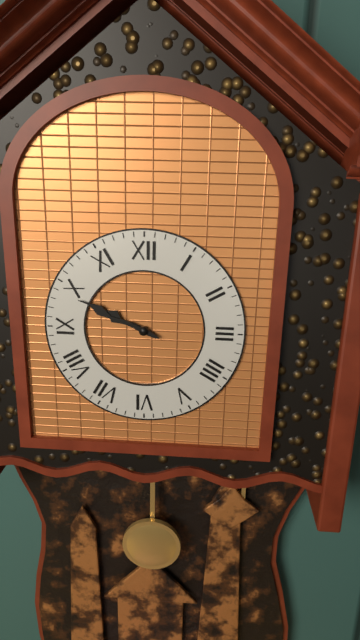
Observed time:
h=9 m=49
